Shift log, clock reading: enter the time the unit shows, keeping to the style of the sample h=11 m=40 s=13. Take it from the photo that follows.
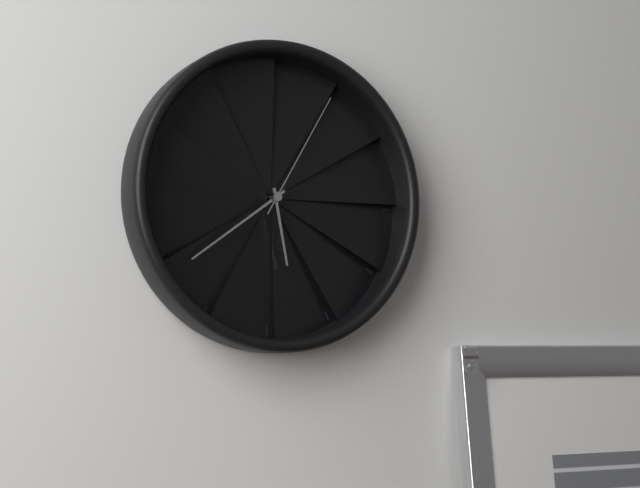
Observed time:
h=5 m=39 s=5
